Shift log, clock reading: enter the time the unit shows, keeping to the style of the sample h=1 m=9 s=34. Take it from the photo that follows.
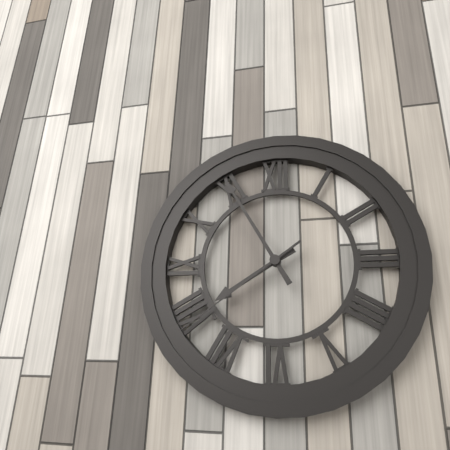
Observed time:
h=7 m=55 s=39
